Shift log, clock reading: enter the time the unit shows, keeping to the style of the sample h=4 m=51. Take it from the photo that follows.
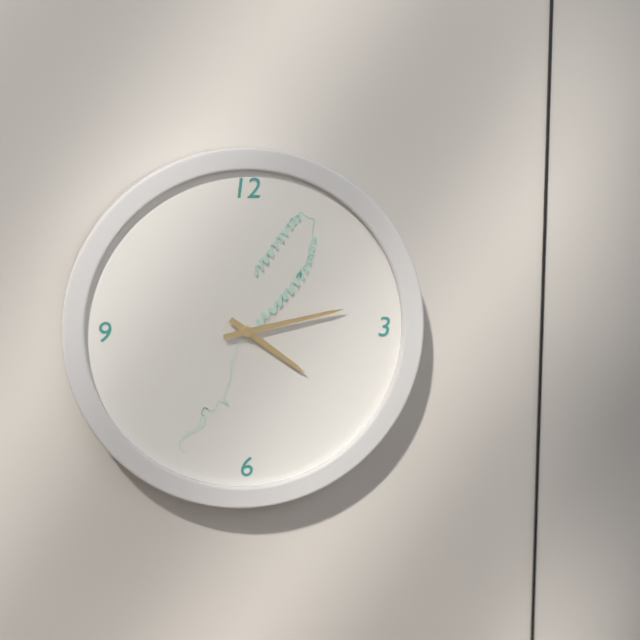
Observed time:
h=4 m=13
